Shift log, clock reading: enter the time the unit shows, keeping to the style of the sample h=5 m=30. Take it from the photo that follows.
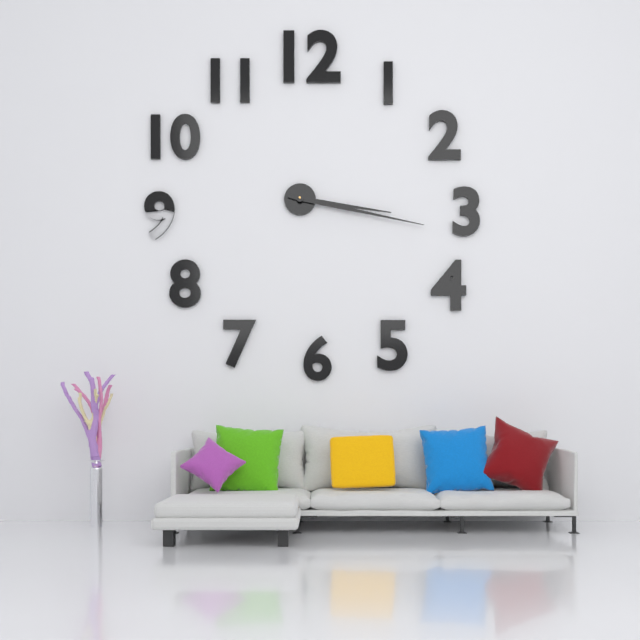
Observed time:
h=3 m=17
